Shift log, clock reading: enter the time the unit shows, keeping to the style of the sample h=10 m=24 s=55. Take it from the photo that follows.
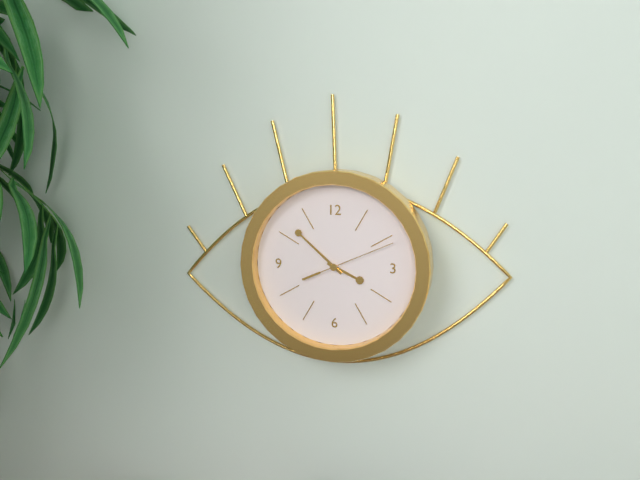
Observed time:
h=3 m=52 s=11
